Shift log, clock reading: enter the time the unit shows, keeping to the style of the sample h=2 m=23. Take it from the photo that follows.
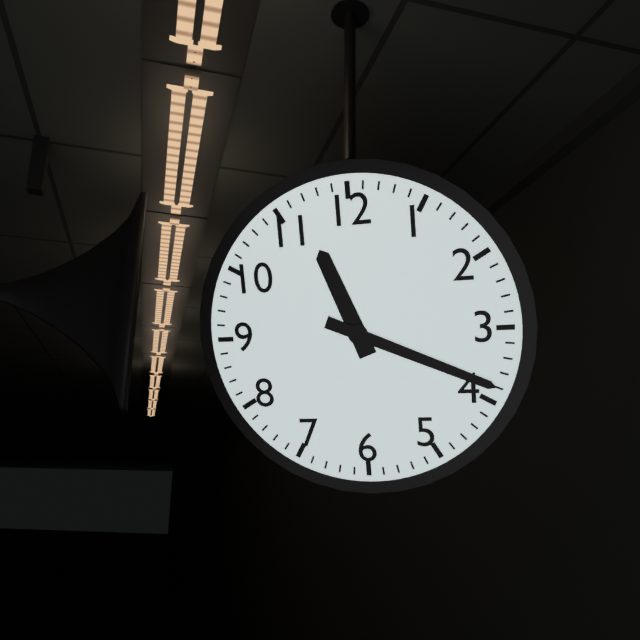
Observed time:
h=11 m=19
